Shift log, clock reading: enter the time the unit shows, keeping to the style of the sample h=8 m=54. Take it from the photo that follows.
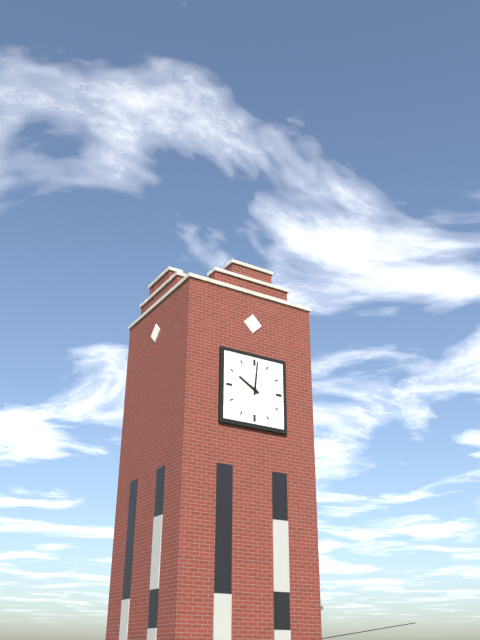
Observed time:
h=10 m=1
